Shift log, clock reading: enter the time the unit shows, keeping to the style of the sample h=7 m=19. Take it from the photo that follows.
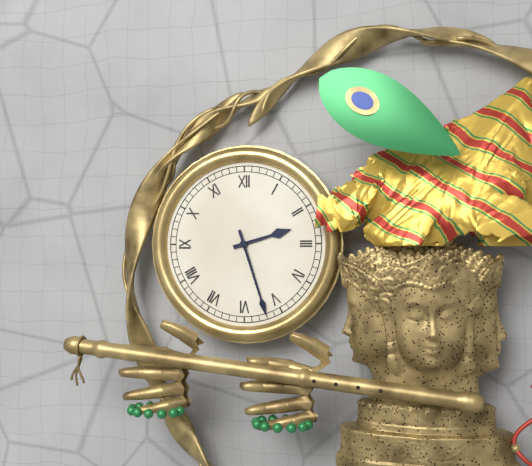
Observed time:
h=2 m=27
